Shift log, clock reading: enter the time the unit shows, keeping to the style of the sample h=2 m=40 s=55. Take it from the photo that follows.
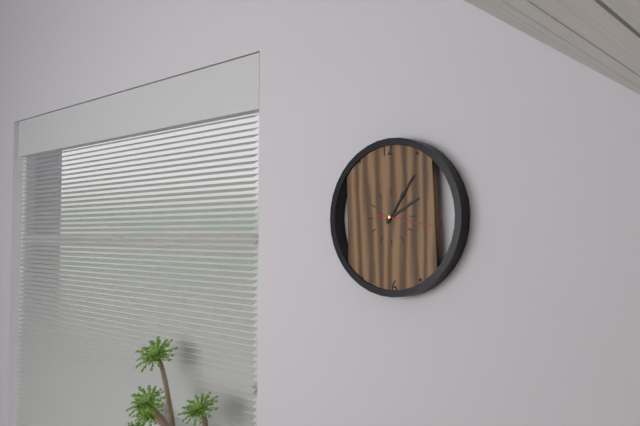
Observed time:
h=2 m=6 s=17
